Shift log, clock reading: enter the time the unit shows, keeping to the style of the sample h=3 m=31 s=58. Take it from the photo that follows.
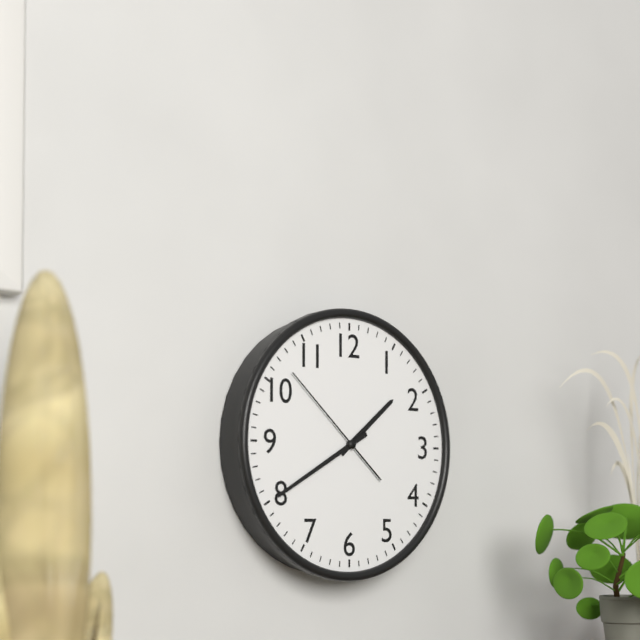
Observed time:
h=1 m=40 s=52
